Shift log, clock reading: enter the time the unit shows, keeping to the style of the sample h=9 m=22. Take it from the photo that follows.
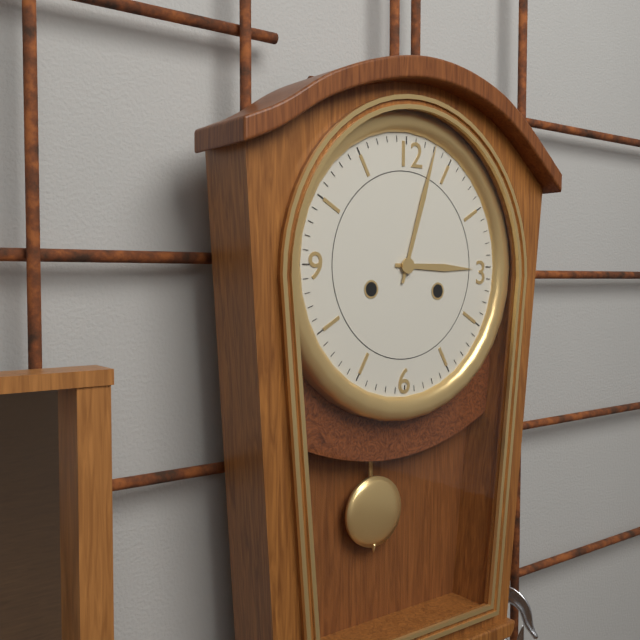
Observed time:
h=3 m=3
